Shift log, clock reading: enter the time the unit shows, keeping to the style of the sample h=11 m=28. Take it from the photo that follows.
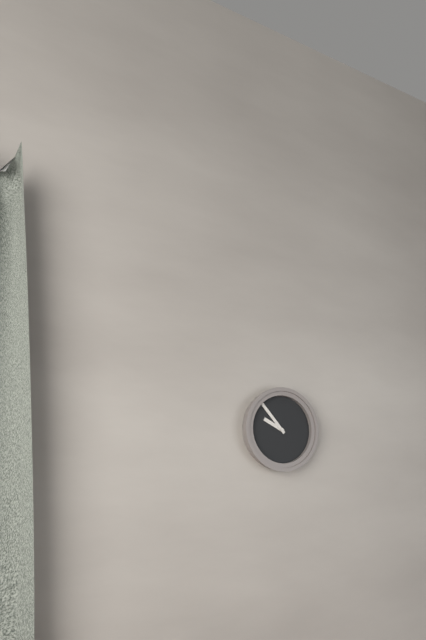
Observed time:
h=9 m=53
